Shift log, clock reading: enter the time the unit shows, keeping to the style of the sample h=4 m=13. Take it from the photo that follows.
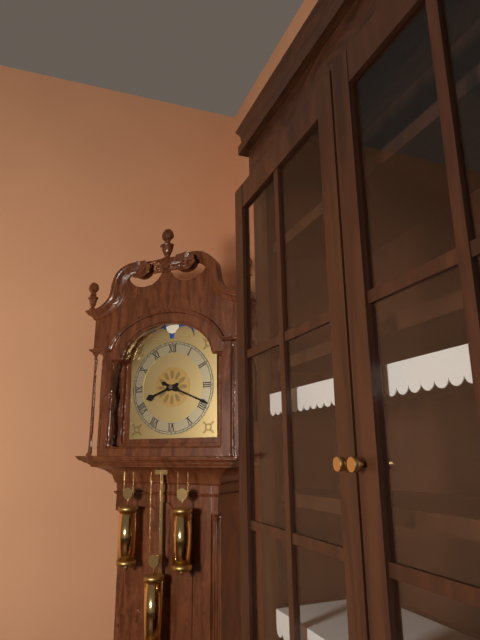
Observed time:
h=8 m=19
